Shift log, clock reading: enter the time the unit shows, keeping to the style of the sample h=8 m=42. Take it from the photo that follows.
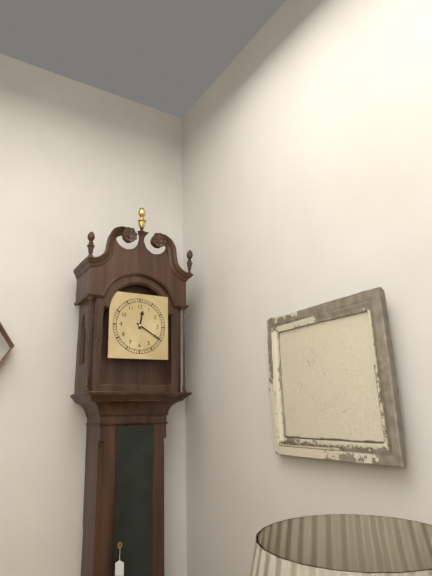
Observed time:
h=12 m=20
